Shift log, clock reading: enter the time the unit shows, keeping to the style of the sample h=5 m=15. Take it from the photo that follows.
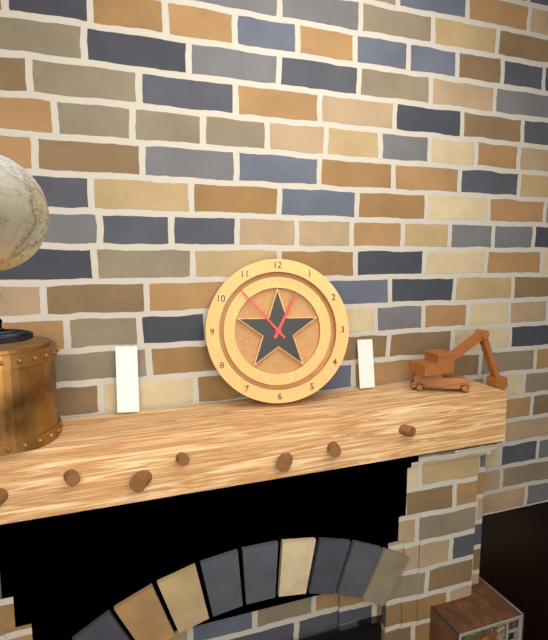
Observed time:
h=12 m=53
